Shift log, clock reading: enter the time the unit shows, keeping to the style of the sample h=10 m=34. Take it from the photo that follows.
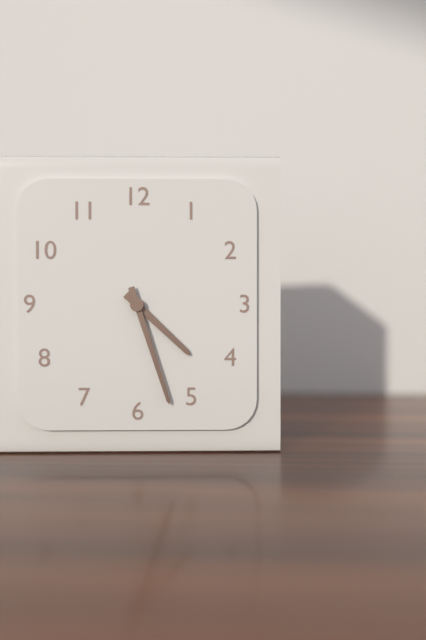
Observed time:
h=4 m=27
